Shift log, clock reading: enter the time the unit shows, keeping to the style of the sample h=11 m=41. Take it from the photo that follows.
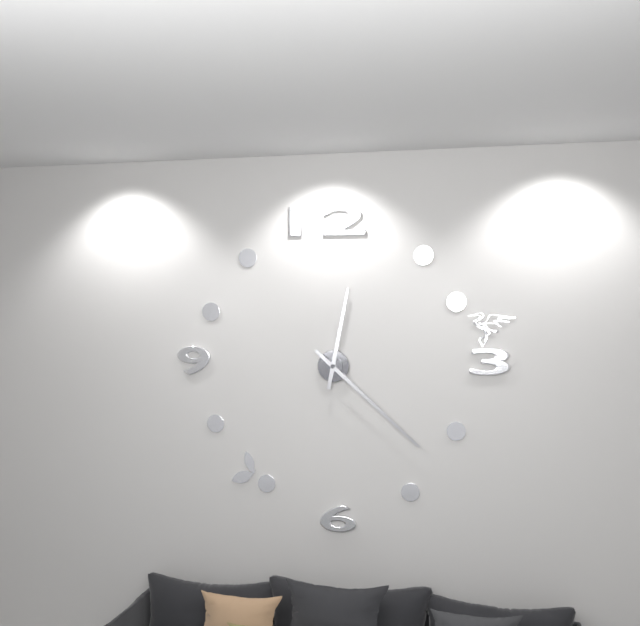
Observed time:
h=12 m=22
